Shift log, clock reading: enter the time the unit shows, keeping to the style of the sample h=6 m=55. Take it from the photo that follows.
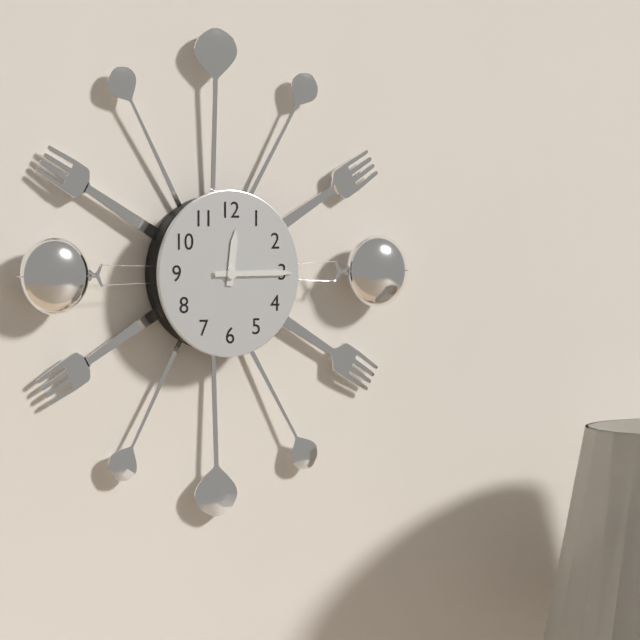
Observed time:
h=12 m=15
